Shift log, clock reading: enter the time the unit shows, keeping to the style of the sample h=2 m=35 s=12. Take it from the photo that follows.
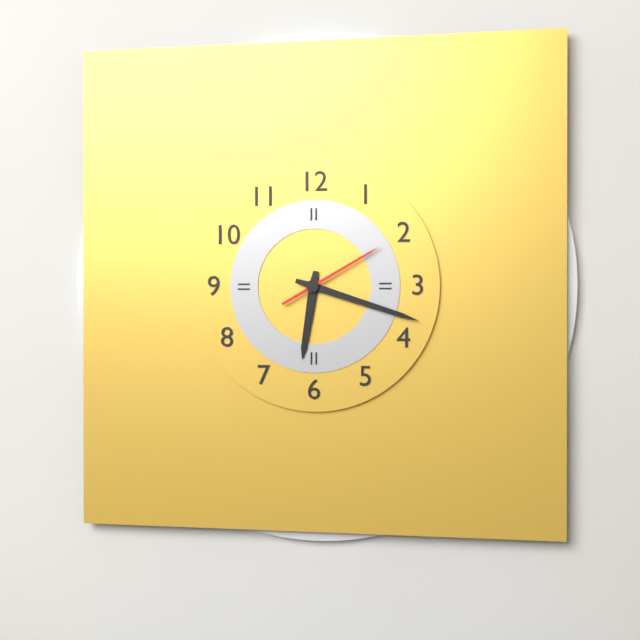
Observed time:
h=6 m=18 s=10
